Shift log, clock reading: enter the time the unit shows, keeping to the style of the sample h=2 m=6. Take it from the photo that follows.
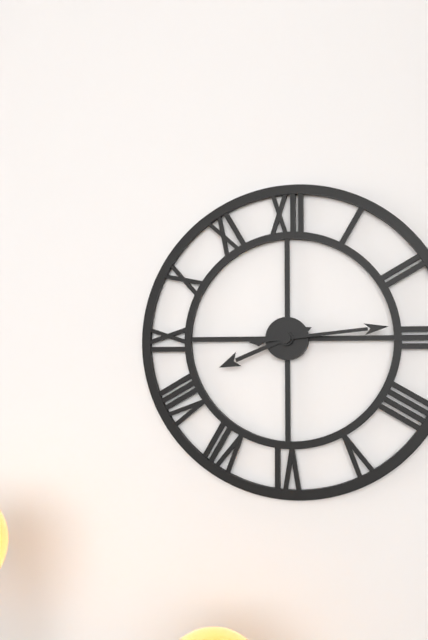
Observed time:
h=8 m=14
